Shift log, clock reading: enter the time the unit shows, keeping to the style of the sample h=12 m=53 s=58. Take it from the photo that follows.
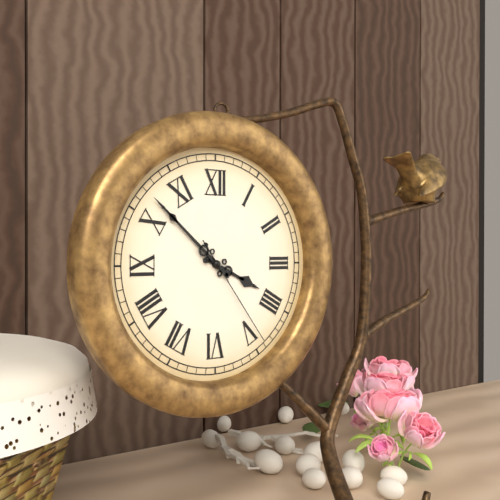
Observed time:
h=3 m=52 s=24
